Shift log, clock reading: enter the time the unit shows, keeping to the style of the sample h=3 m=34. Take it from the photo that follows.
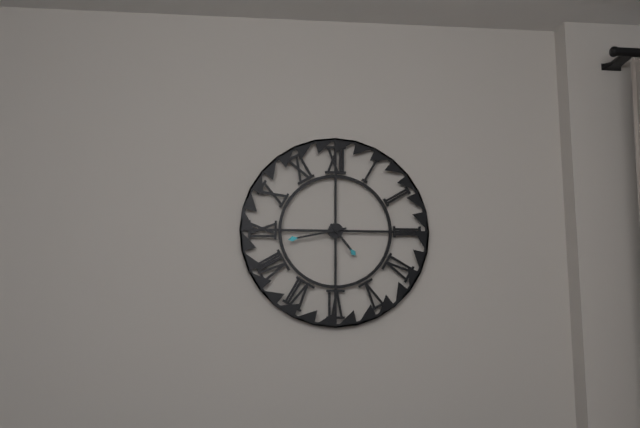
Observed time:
h=4 m=43
